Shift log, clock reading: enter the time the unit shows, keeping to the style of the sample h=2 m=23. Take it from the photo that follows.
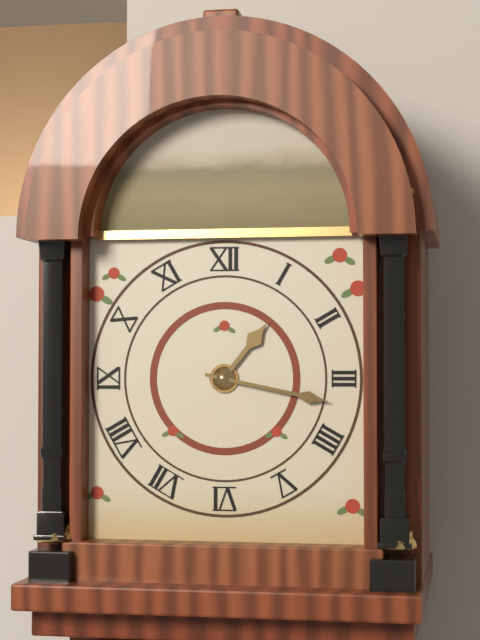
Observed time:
h=1 m=17
